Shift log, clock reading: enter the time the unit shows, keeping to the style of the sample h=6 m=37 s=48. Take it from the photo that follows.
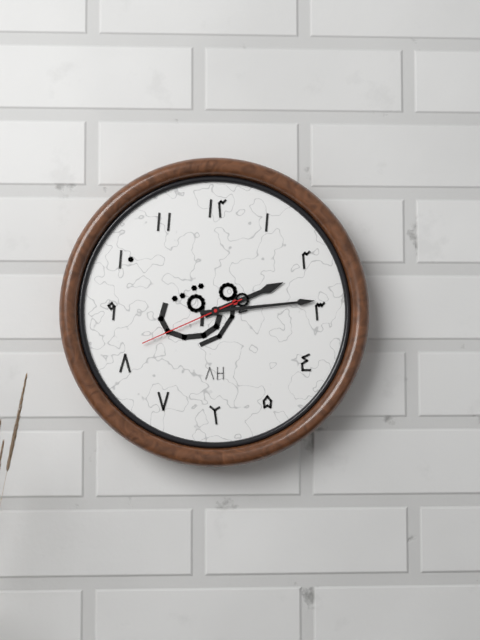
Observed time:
h=2 m=14 s=41
